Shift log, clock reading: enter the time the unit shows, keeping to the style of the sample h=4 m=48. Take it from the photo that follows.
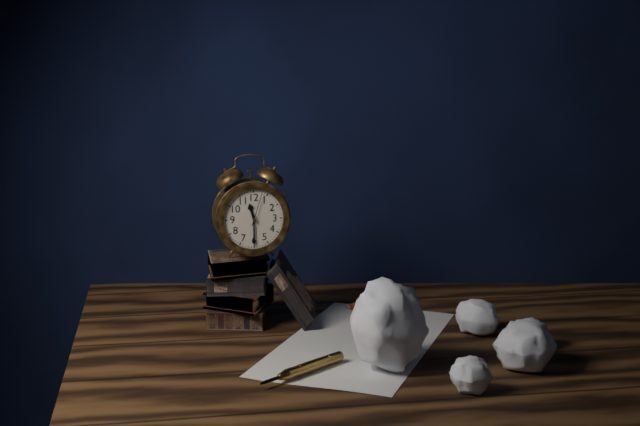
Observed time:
h=11 m=30
